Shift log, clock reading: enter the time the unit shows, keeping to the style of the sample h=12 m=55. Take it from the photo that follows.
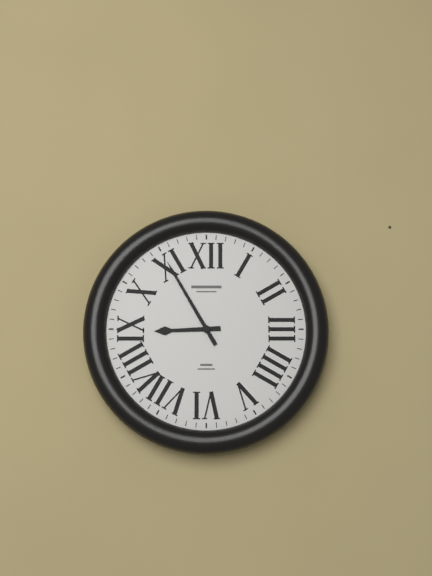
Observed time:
h=8 m=55
